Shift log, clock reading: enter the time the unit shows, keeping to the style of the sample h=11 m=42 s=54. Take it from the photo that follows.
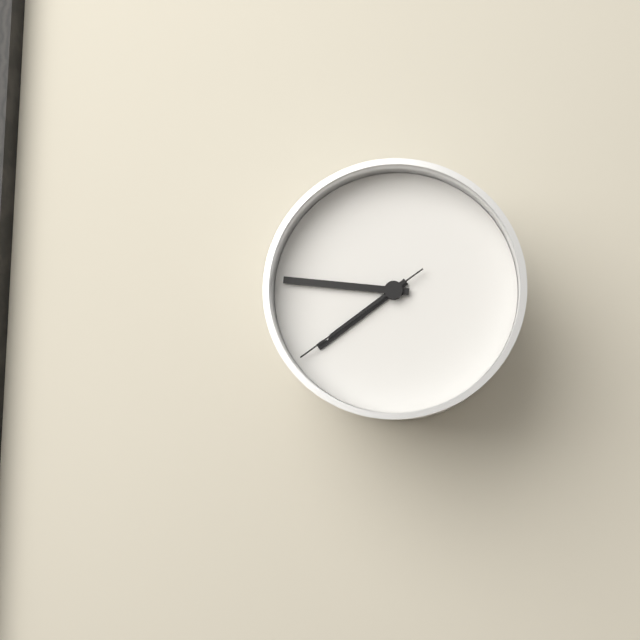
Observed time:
h=7 m=46 s=39
